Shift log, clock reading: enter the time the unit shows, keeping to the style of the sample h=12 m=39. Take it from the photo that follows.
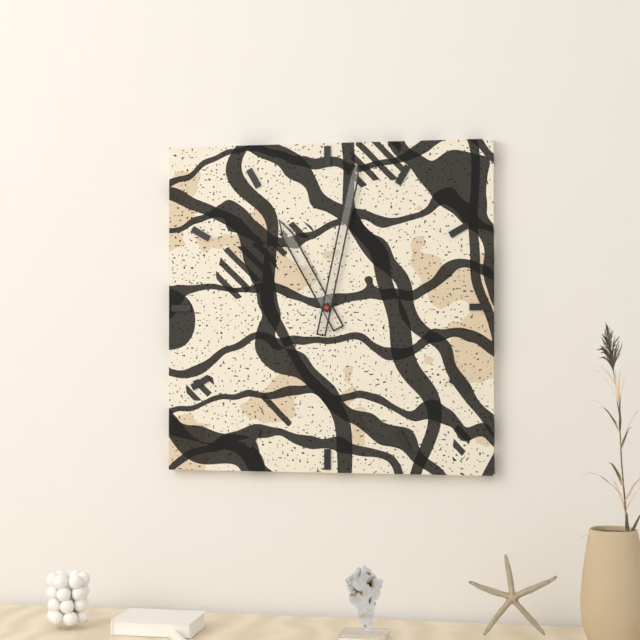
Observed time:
h=11 m=2
